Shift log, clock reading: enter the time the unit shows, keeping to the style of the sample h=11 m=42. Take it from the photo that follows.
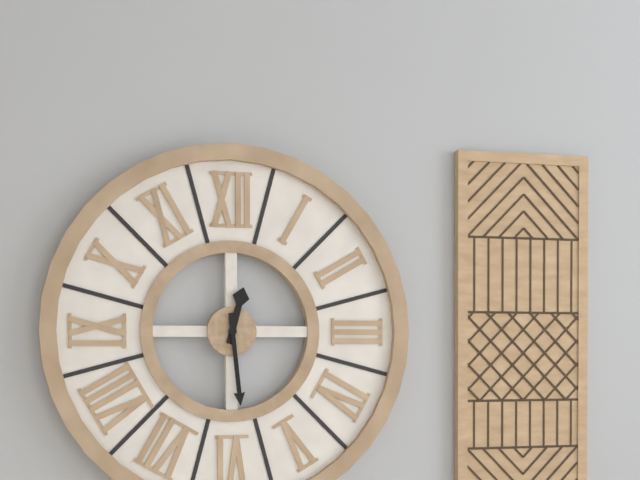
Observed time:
h=12 m=29
